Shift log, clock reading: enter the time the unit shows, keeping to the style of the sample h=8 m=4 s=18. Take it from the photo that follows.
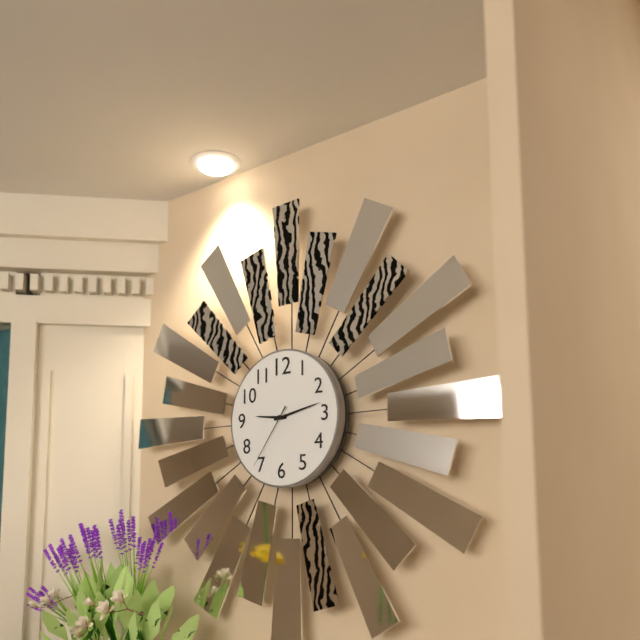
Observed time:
h=9 m=13 s=36
